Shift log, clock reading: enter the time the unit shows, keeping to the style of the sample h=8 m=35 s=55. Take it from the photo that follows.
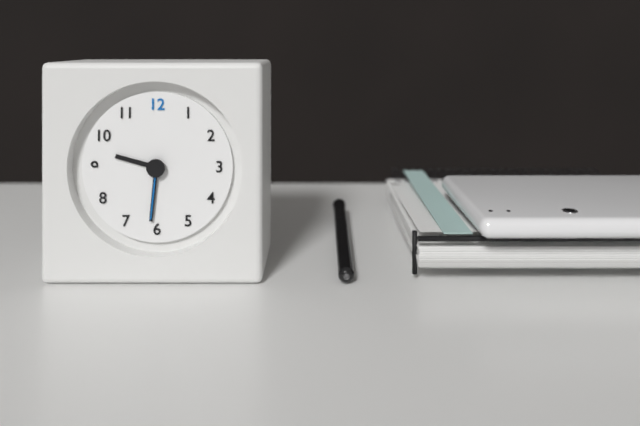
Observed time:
h=9 m=31 s=31
